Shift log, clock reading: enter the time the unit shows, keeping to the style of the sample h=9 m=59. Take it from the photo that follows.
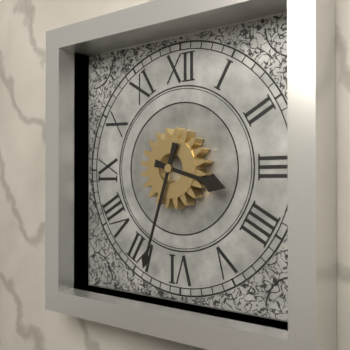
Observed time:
h=3 m=33
